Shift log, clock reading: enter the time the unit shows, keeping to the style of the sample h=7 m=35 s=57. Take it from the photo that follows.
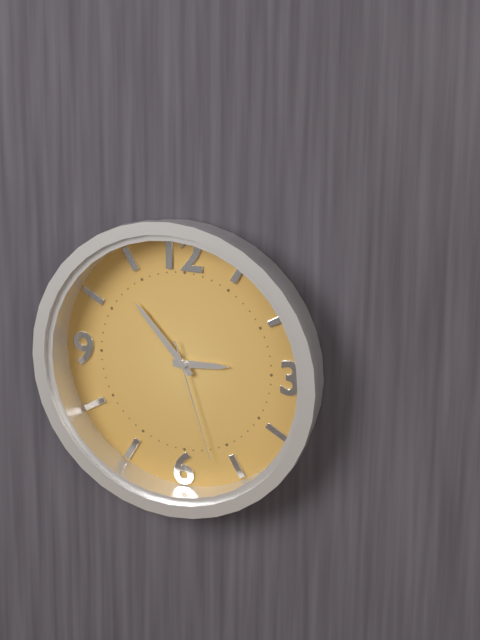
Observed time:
h=2 m=53 s=27
